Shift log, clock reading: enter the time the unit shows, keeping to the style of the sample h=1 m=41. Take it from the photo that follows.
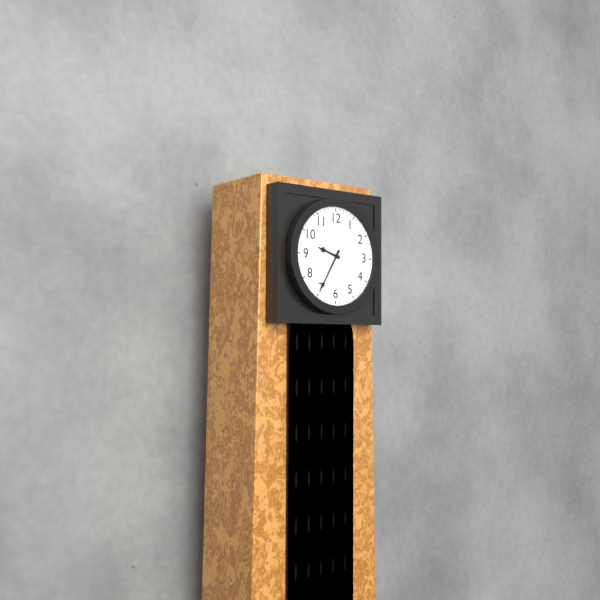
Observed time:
h=9 m=35
